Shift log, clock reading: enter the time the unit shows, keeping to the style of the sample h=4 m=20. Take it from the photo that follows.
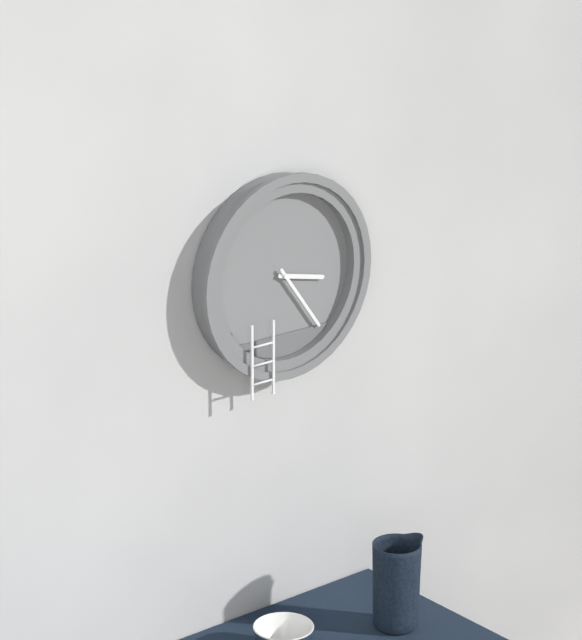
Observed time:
h=3 m=24
